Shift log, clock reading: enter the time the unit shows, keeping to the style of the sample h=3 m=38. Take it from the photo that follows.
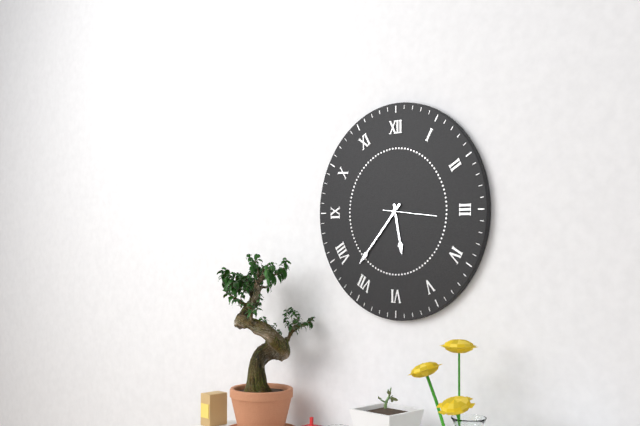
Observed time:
h=5 m=37
